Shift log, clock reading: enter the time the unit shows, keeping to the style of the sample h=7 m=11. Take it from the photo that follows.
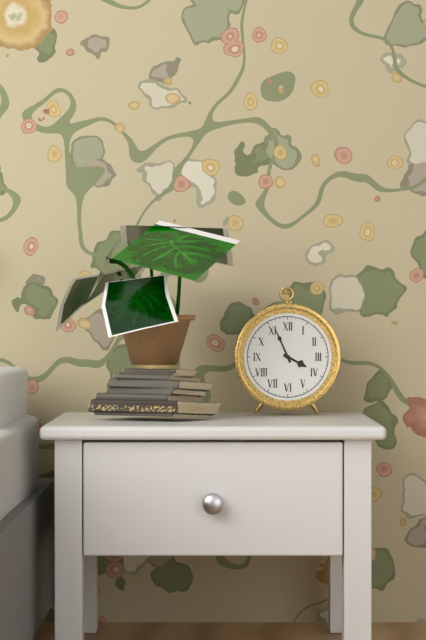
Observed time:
h=3 m=56
